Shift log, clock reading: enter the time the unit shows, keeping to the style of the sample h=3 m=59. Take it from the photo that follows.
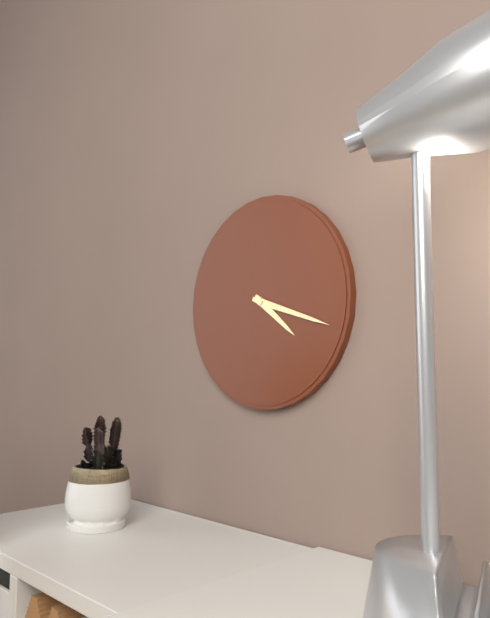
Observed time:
h=4 m=18
